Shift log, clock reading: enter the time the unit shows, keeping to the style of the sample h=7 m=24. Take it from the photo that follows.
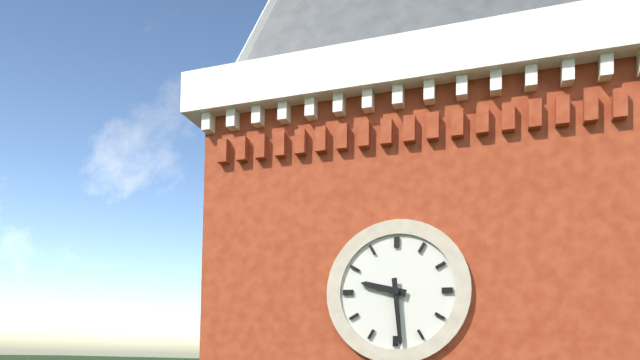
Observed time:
h=9 m=29
